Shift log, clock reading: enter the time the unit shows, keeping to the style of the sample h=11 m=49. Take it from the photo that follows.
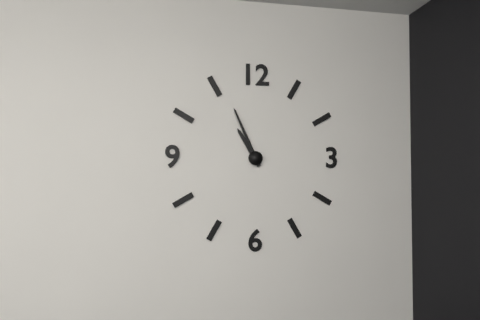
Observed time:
h=10 m=56
